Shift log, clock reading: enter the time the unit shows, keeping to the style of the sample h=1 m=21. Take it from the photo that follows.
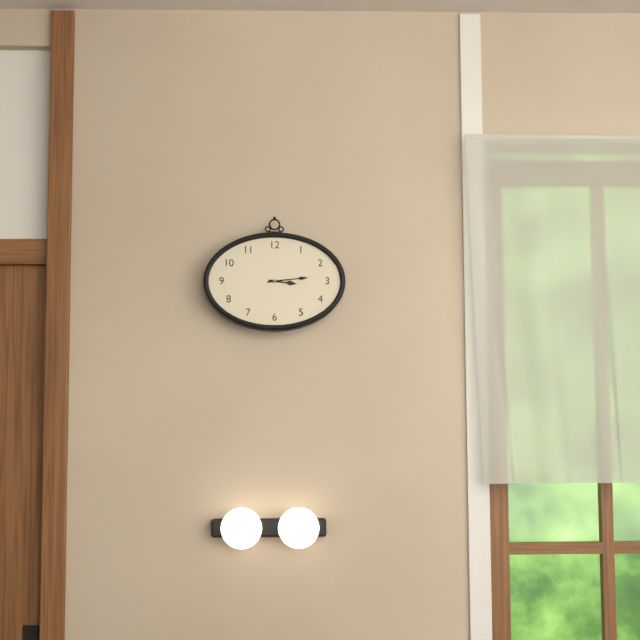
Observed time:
h=3 m=14
